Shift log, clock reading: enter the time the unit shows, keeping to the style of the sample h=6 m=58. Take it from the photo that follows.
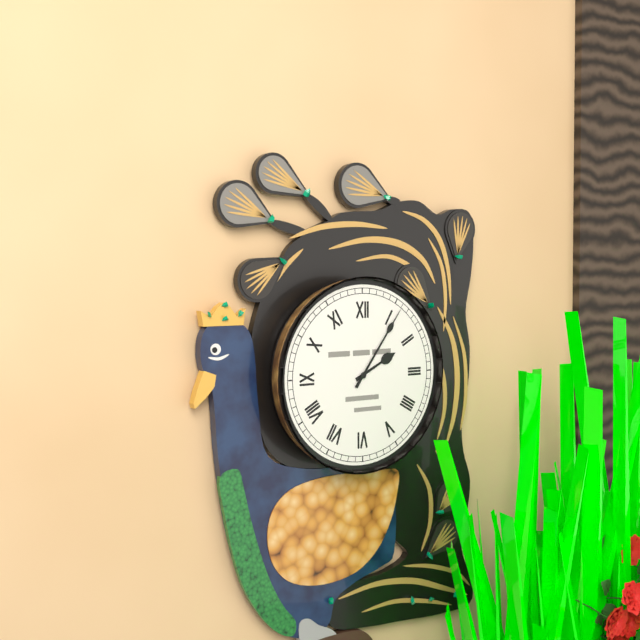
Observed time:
h=2 m=6
